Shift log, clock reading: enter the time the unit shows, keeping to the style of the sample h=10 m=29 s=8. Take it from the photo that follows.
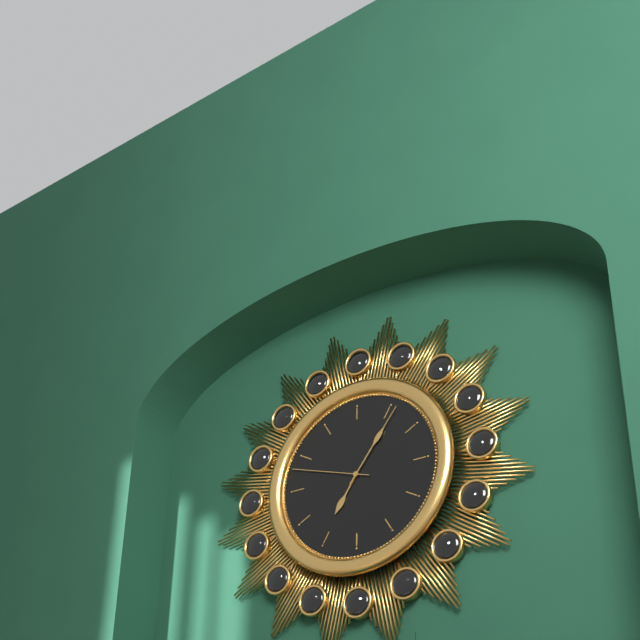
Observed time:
h=7 m=6 s=48
